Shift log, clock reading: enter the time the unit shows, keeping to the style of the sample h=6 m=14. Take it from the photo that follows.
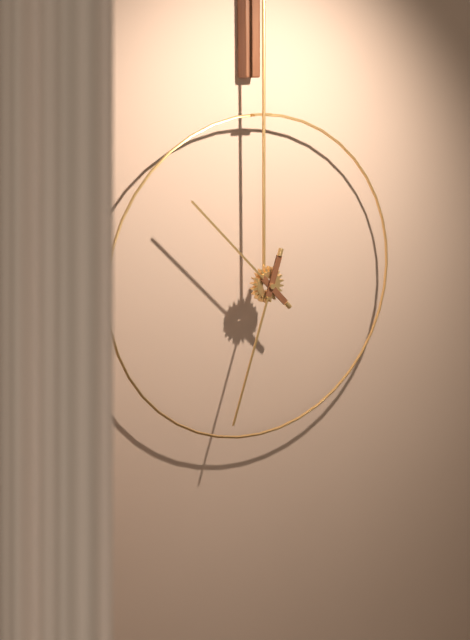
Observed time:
h=10 m=33
